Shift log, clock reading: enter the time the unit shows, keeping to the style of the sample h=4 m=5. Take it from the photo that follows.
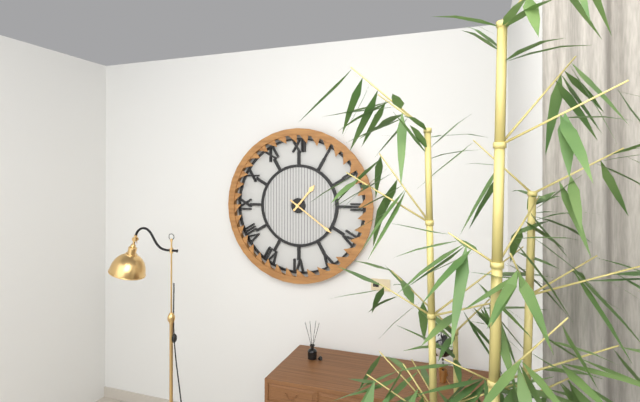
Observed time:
h=1 m=21
